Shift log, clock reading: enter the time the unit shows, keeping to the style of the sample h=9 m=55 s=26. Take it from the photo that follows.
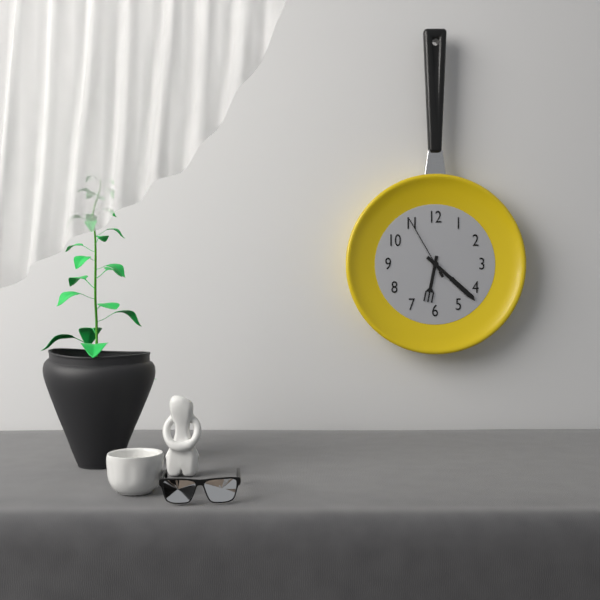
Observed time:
h=6 m=22 s=55
